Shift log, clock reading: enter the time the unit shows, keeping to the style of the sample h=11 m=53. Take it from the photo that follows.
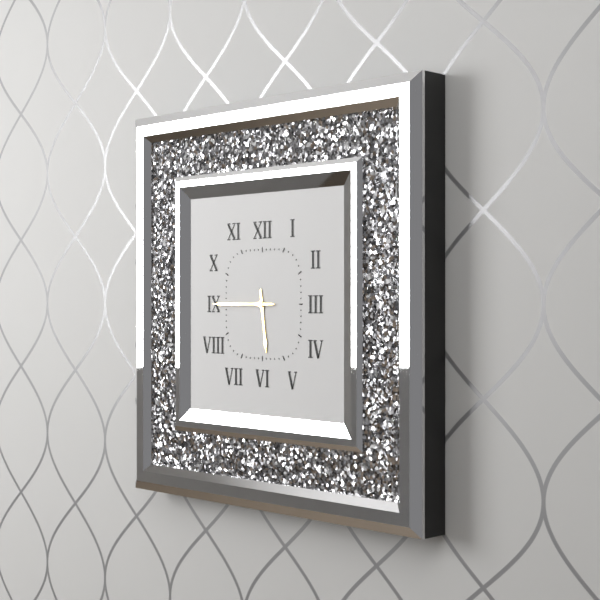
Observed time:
h=5 m=45
